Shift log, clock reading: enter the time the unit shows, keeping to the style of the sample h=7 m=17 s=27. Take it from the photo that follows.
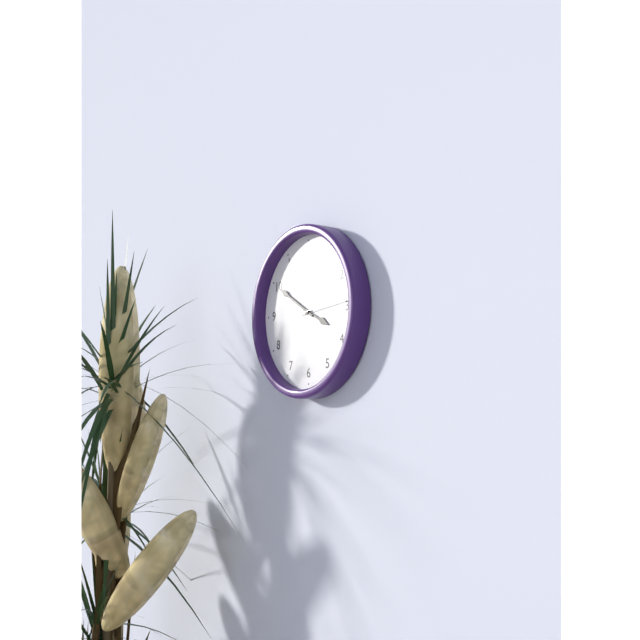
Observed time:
h=3 m=50 s=14
